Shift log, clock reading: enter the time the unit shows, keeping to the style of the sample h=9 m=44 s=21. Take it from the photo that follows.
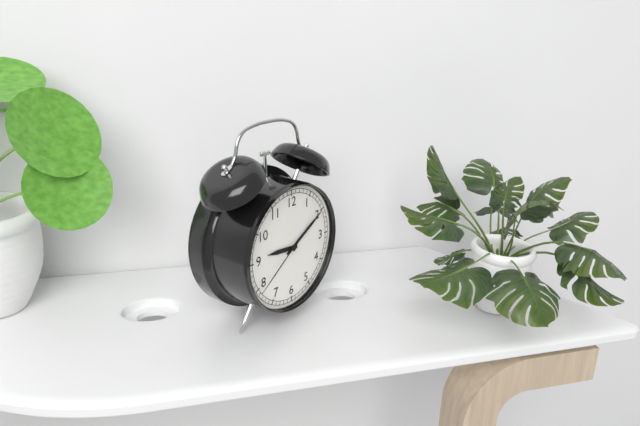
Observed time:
h=9 m=10 s=39
